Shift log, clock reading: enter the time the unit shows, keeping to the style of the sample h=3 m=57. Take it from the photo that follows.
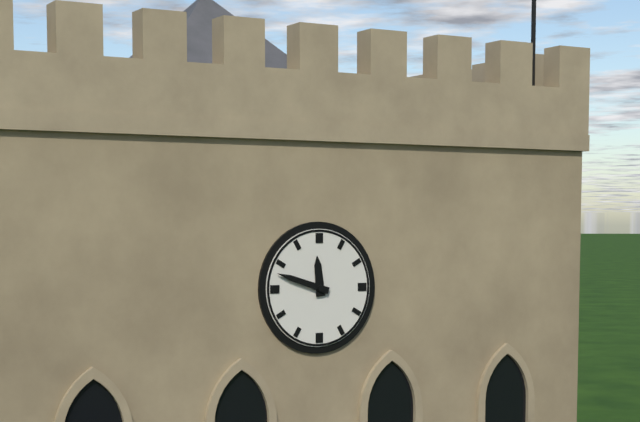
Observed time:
h=11 m=48
